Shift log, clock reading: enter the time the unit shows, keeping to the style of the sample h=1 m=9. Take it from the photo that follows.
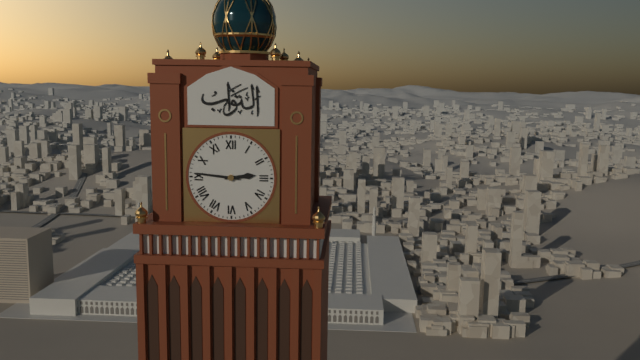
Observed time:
h=2 m=46
